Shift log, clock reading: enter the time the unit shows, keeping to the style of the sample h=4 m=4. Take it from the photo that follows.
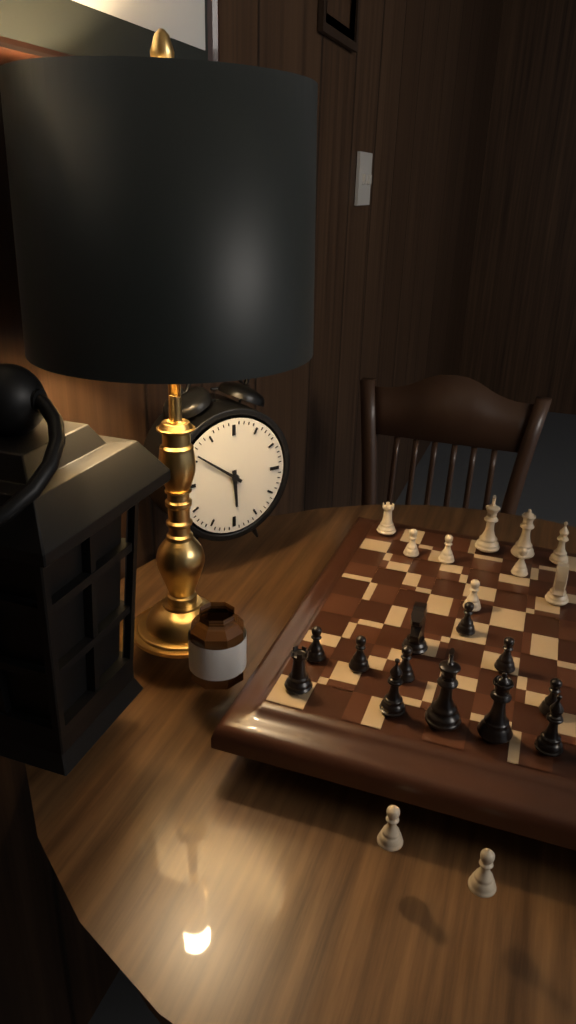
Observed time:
h=5 m=51
